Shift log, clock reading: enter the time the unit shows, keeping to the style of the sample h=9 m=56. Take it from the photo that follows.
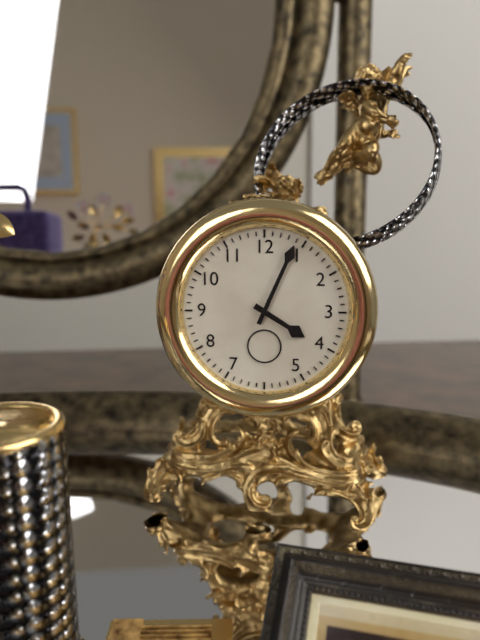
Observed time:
h=4 m=4
